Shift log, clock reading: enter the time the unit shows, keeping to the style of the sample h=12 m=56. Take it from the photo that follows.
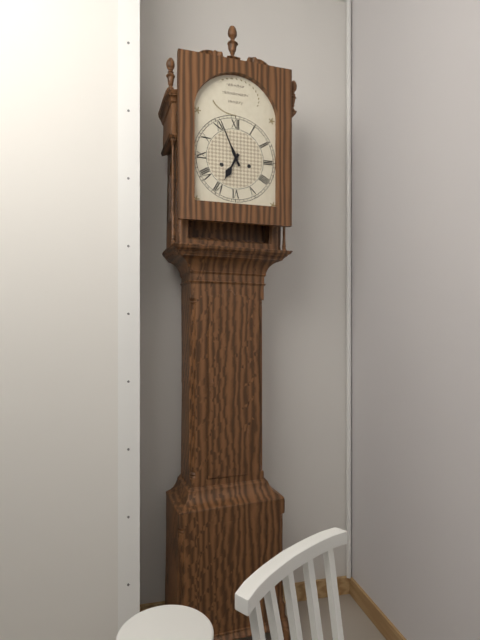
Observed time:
h=6 m=56
